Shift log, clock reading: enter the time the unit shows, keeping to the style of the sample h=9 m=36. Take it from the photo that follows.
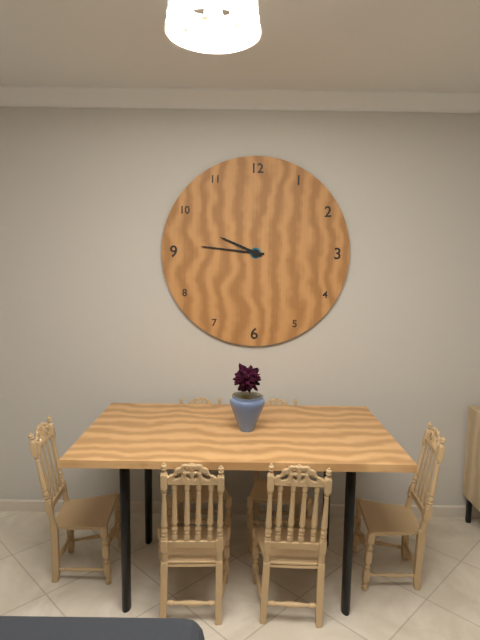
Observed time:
h=9 m=46
